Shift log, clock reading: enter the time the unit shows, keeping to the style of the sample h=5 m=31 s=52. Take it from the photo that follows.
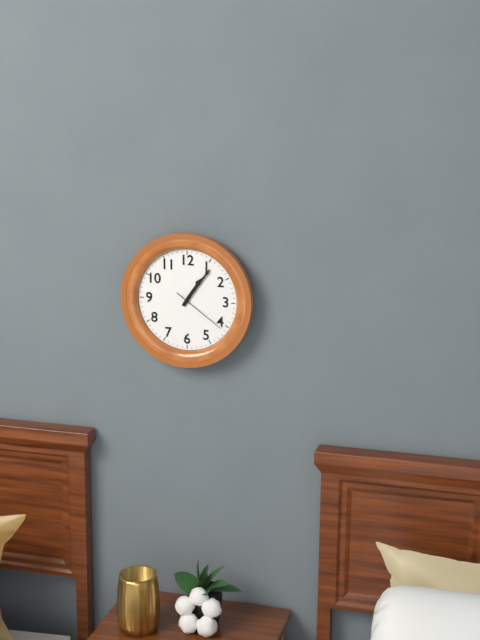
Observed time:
h=1 m=6 s=21
